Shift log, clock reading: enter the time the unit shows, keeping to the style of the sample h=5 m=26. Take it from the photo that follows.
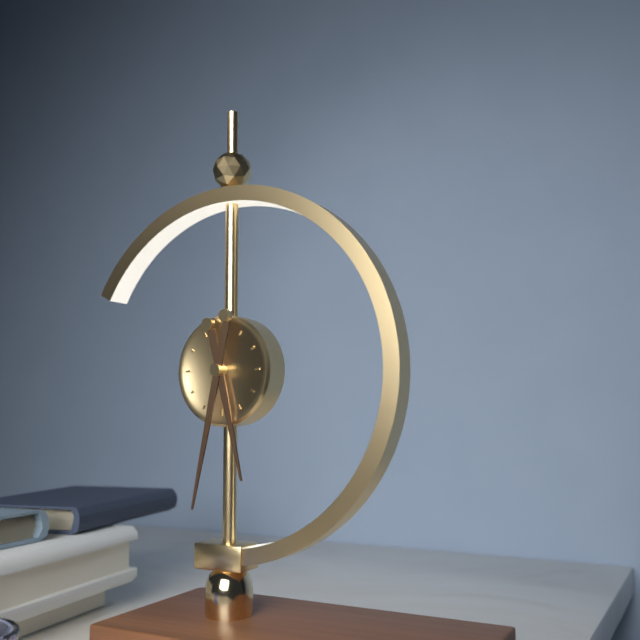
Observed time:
h=5 m=32
